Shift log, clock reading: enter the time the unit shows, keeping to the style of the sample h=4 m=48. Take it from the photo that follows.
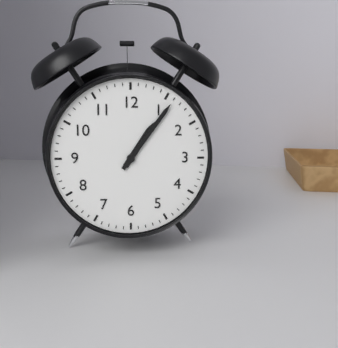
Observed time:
h=1 m=6
